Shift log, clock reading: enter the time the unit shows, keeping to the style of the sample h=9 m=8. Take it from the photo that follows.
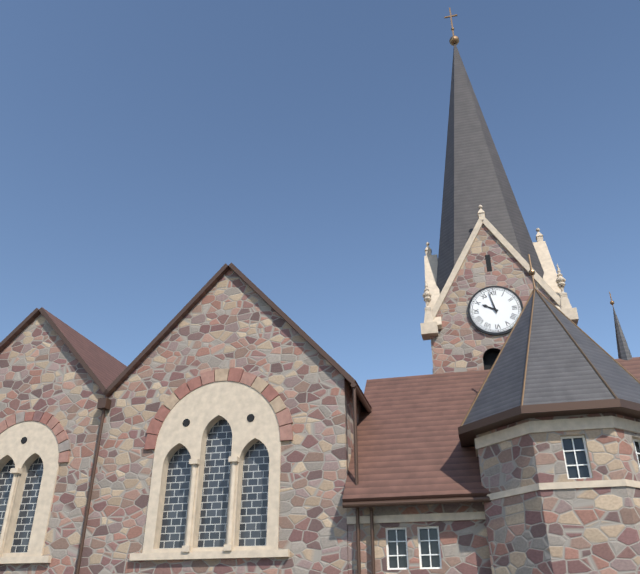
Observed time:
h=9 m=58
